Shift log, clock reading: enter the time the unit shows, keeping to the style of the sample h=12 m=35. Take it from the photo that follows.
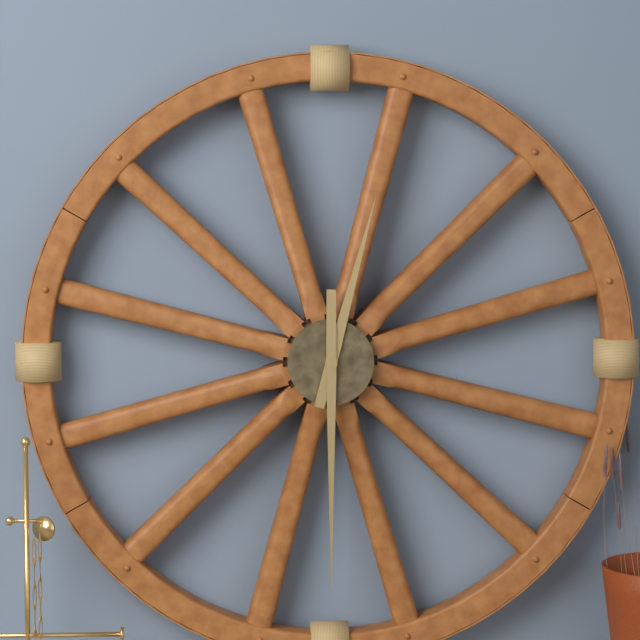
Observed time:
h=12 m=30
